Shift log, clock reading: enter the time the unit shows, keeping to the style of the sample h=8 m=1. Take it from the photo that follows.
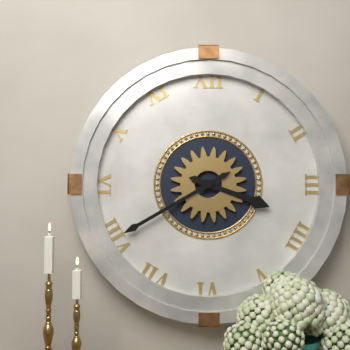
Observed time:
h=3 m=40
